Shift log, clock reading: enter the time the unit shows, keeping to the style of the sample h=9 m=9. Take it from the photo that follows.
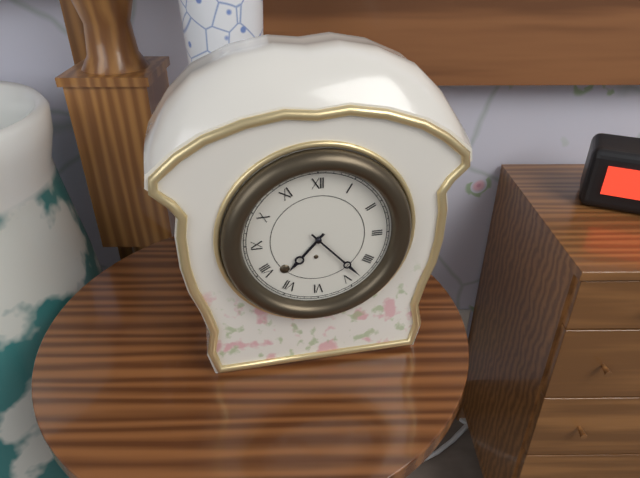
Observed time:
h=7 m=23
